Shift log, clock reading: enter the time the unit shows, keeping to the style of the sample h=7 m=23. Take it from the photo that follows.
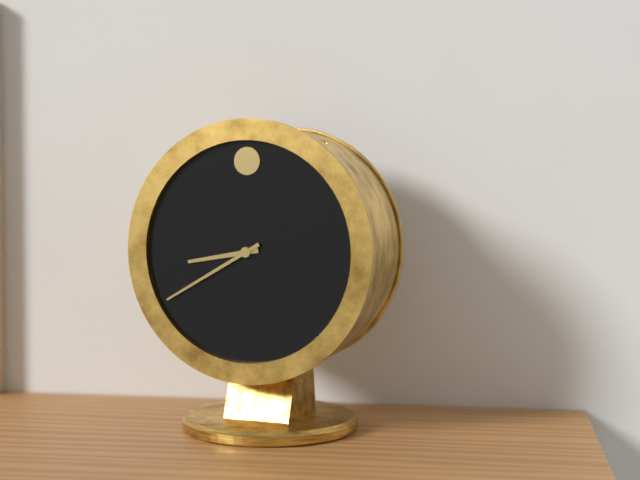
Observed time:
h=8 m=40
